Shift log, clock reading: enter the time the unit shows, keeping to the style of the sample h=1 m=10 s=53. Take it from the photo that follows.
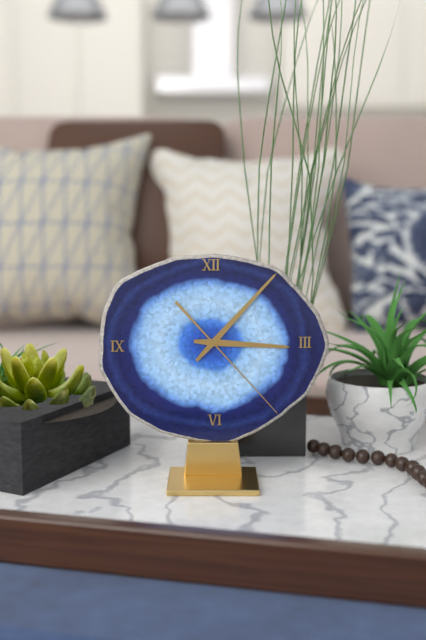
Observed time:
h=3 m=7 s=23
